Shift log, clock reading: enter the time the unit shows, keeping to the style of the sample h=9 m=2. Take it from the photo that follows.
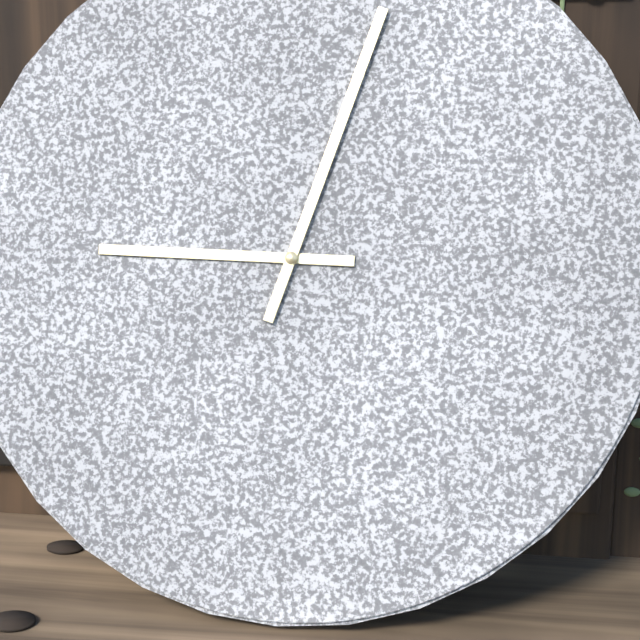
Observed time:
h=9 m=3
